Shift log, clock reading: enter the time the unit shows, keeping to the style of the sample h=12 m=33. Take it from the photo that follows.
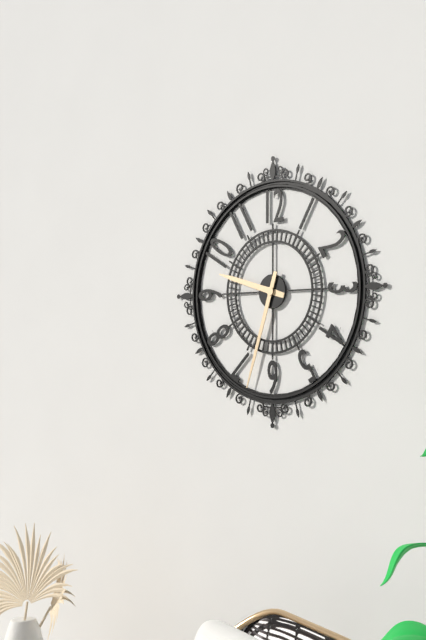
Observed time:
h=9 m=33
